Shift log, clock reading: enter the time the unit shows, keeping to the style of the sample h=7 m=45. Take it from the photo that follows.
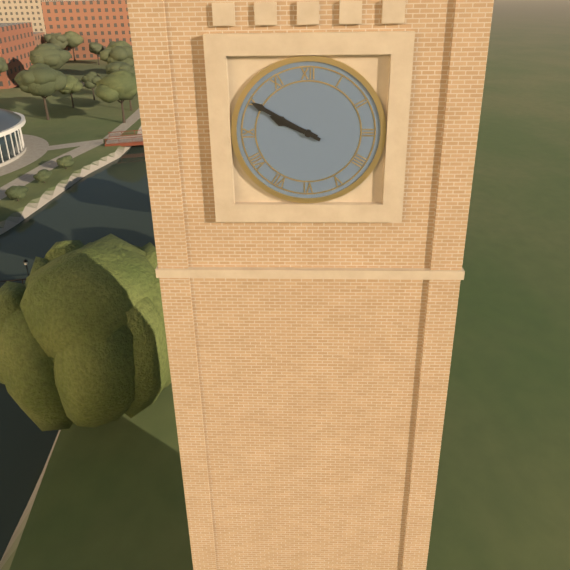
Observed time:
h=9 m=50
